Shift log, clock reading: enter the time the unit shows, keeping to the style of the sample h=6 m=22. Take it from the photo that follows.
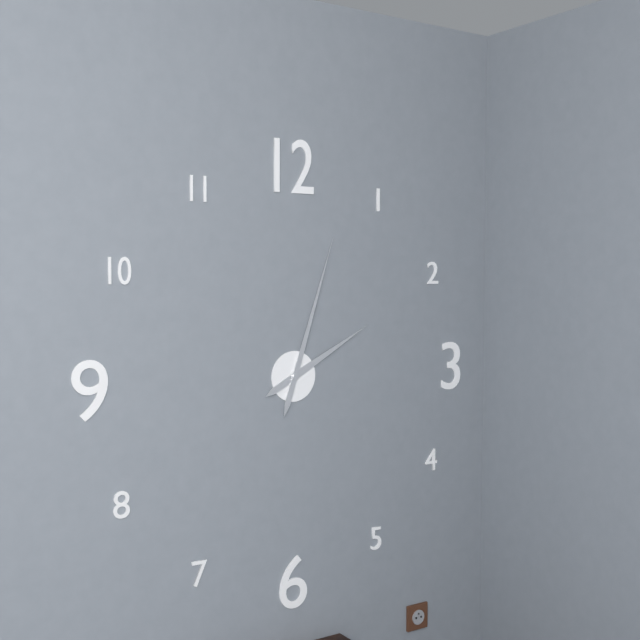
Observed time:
h=2 m=3
